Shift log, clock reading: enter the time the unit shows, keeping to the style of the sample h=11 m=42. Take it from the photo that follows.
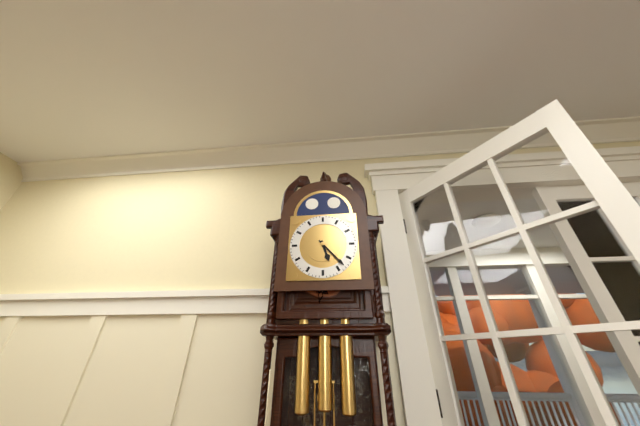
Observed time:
h=5 m=23
